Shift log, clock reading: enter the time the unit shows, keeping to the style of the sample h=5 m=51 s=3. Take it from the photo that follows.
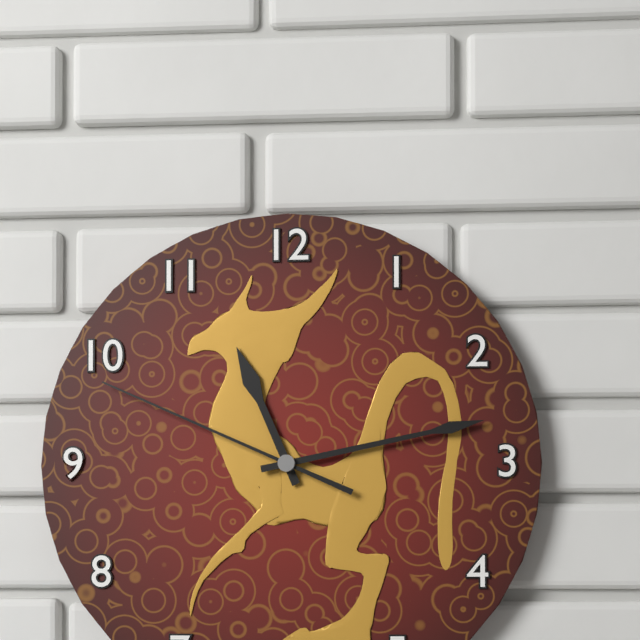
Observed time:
h=11 m=13 s=49
